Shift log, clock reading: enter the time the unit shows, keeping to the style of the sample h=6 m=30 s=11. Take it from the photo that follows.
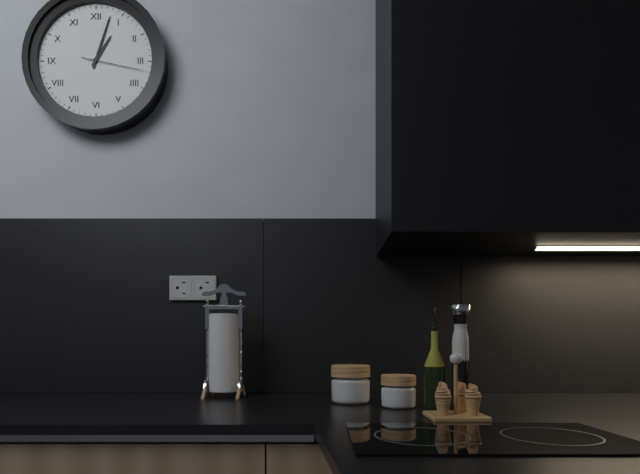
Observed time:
h=1 m=3 s=17
